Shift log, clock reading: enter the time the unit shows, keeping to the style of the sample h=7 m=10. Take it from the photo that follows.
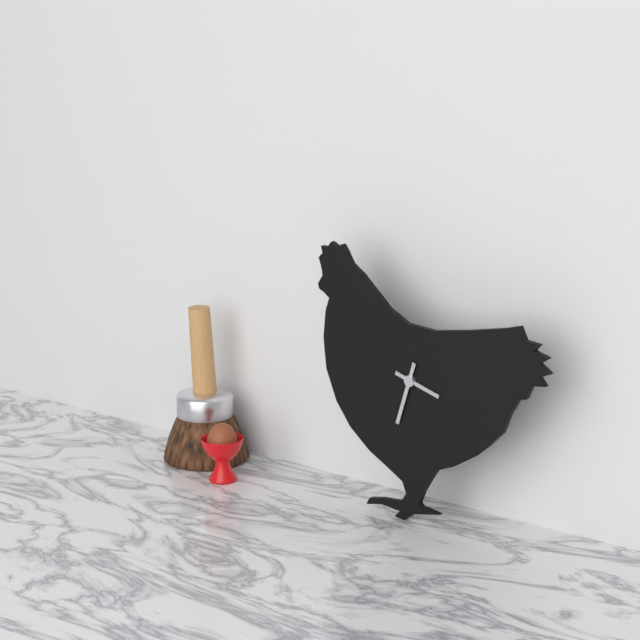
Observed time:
h=3 m=33
